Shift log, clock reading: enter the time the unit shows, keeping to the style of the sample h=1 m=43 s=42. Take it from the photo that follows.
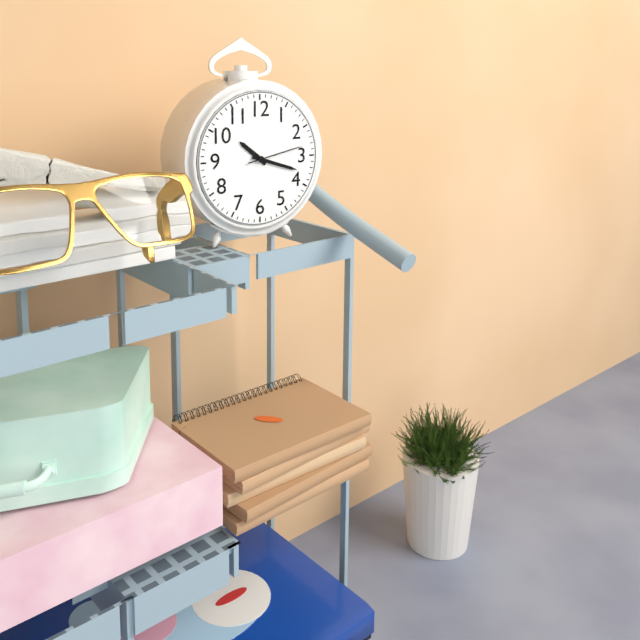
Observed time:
h=10 m=18 s=13
